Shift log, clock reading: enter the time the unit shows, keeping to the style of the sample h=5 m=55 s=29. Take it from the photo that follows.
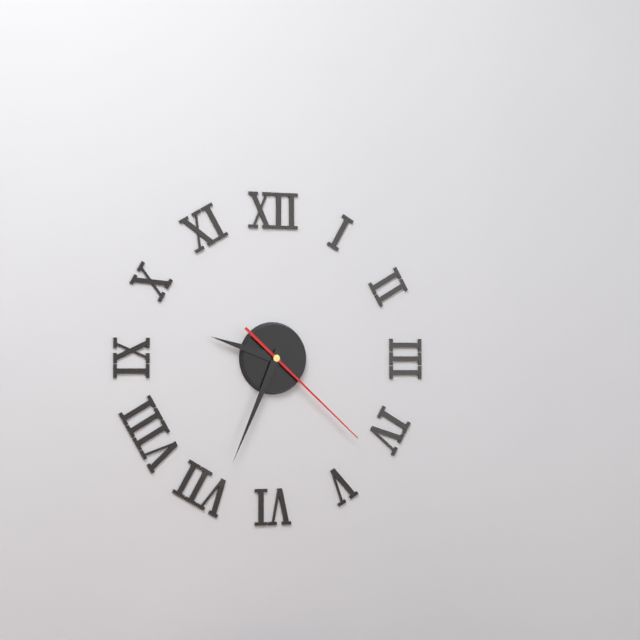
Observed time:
h=9 m=34 s=22
